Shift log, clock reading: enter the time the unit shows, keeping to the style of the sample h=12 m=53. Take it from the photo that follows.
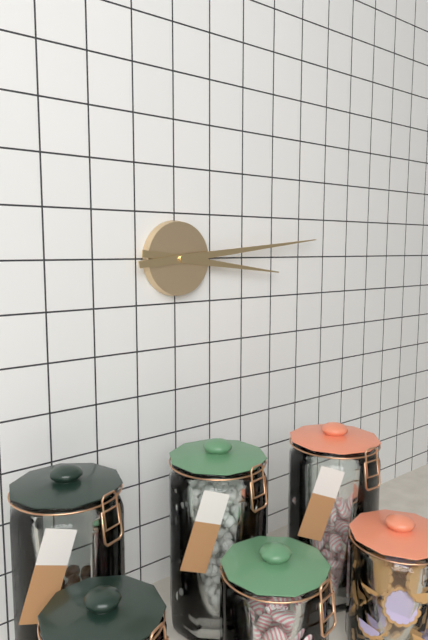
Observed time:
h=3 m=14
